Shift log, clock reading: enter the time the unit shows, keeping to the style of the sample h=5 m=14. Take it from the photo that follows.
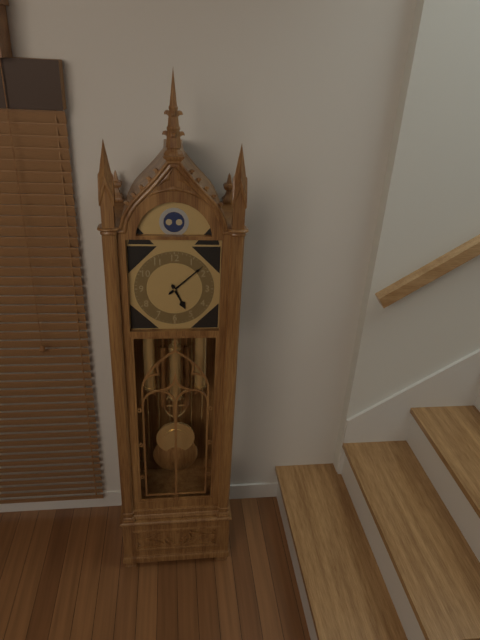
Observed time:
h=5 m=8
